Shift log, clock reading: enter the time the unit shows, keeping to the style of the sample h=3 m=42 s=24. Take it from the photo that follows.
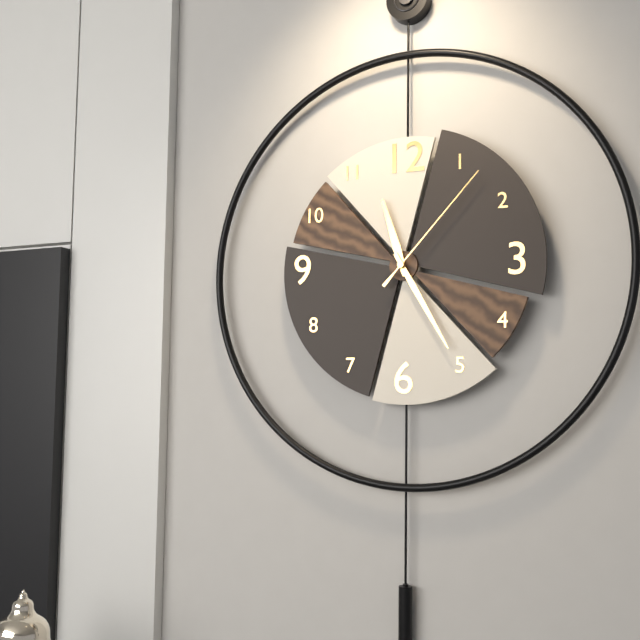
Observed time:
h=11 m=25 s=7
